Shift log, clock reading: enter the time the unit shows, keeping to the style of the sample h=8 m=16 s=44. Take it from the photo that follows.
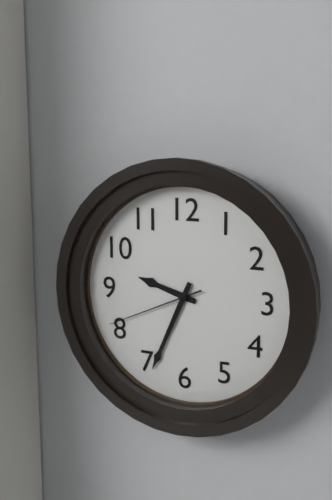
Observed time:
h=9 m=34 s=41
